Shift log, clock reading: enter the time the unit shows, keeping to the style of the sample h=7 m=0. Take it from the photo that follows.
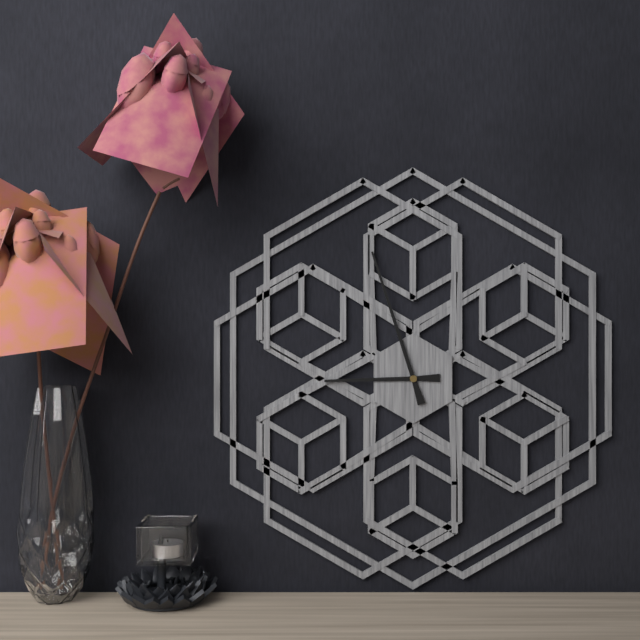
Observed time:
h=8 m=57
